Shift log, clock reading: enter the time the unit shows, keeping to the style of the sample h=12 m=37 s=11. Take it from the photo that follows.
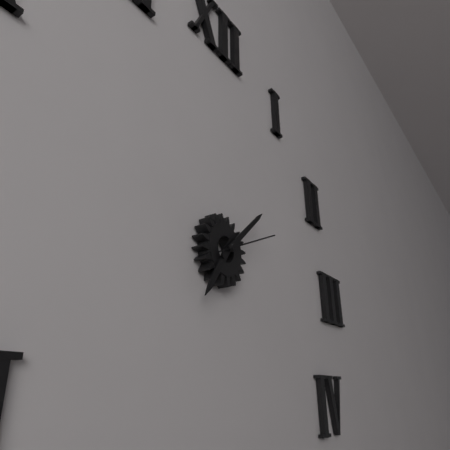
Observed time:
h=7 m=8 s=11
